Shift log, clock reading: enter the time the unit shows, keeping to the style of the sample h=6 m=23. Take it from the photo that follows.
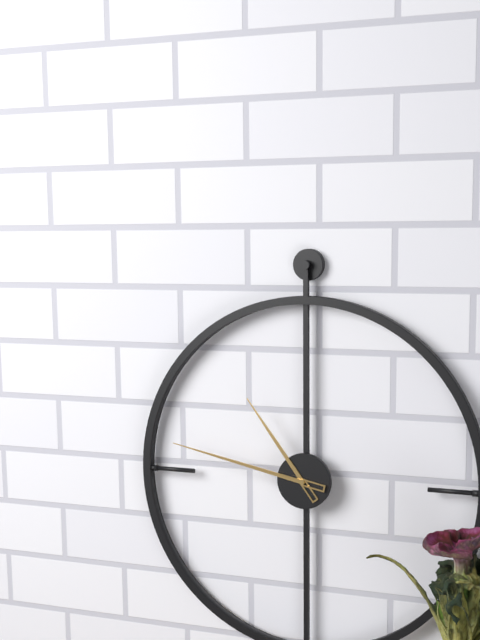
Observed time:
h=10 m=47
